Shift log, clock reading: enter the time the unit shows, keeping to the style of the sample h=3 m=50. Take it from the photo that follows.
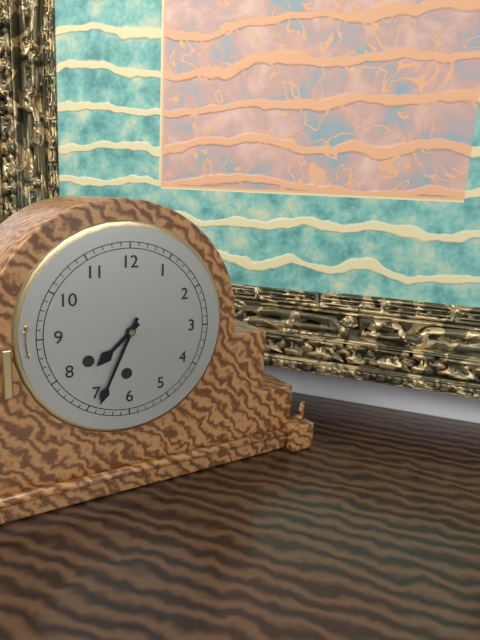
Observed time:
h=7 m=34
